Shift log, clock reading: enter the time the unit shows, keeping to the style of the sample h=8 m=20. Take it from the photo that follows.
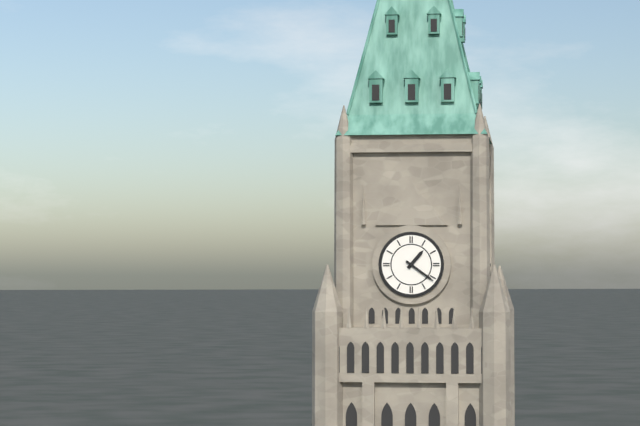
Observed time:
h=1 m=21
